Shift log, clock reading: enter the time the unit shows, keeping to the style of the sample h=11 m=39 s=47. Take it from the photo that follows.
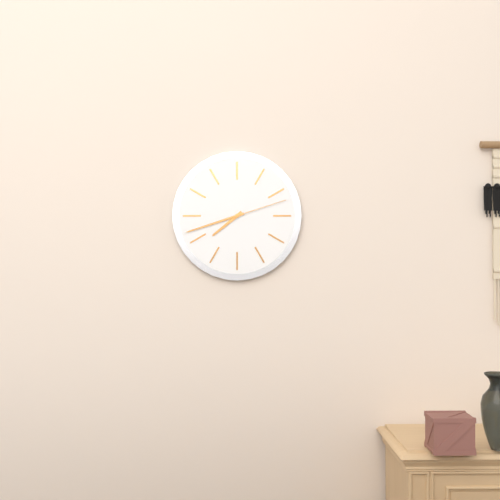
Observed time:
h=7 m=42 s=12
